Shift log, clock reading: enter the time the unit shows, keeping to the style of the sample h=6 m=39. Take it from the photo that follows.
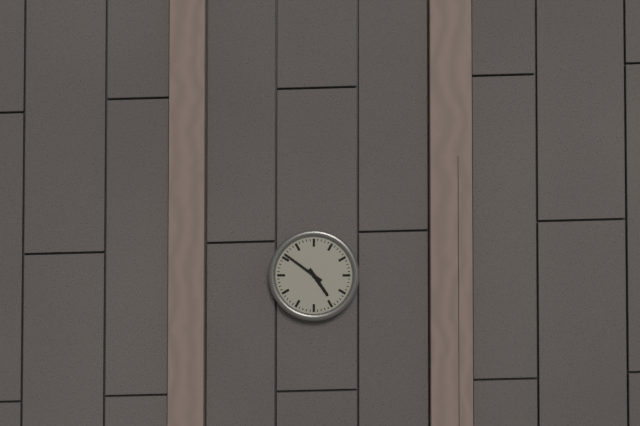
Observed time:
h=4 m=51
